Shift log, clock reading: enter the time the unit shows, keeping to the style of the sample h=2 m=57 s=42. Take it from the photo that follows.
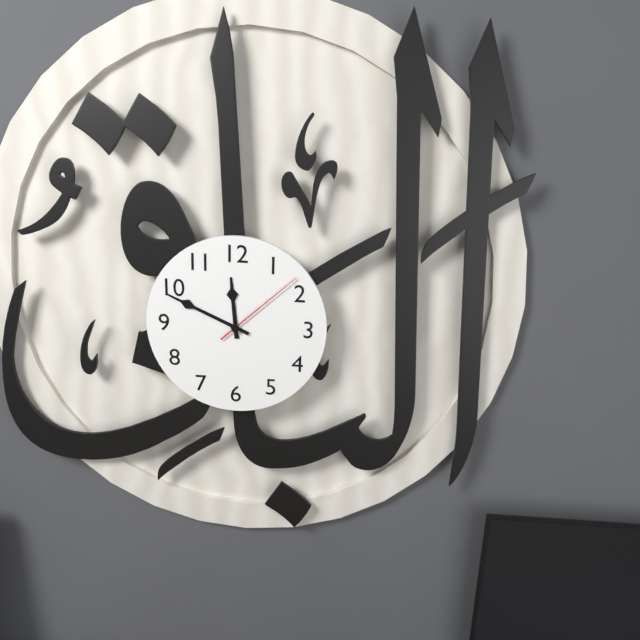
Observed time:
h=11 m=49 s=8
